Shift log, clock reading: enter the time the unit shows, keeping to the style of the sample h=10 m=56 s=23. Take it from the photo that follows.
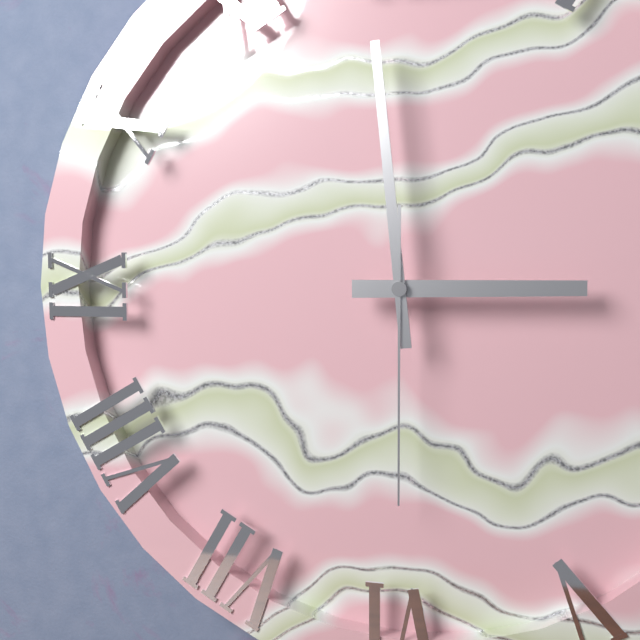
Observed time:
h=2 m=59 s=30
